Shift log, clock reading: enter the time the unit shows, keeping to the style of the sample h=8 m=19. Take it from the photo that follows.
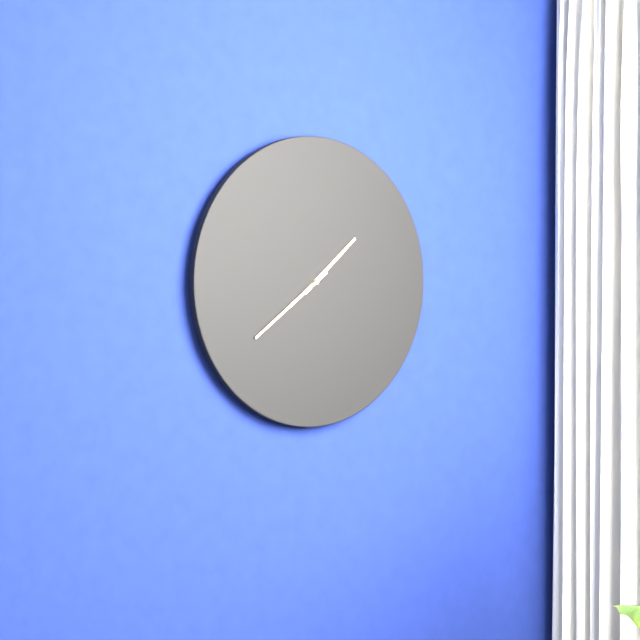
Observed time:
h=1 m=39
